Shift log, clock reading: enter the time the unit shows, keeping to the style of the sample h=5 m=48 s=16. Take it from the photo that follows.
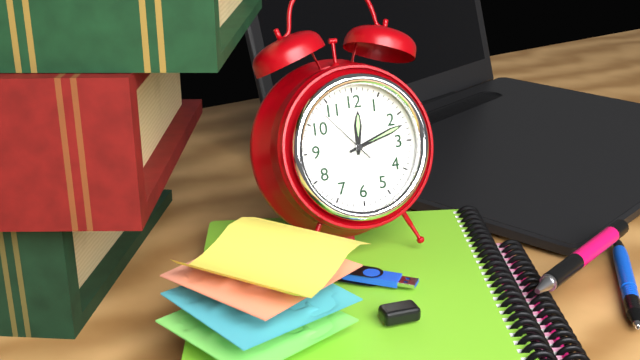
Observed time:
h=12 m=12 s=53
